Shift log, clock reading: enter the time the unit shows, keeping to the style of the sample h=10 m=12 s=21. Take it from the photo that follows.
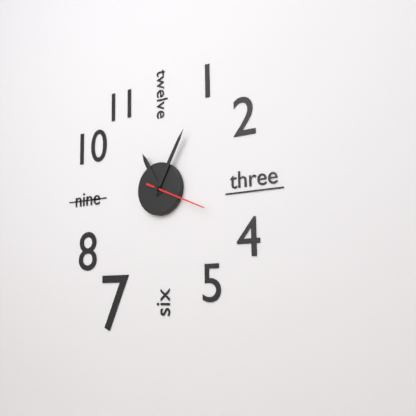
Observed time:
h=11 m=5 s=19
